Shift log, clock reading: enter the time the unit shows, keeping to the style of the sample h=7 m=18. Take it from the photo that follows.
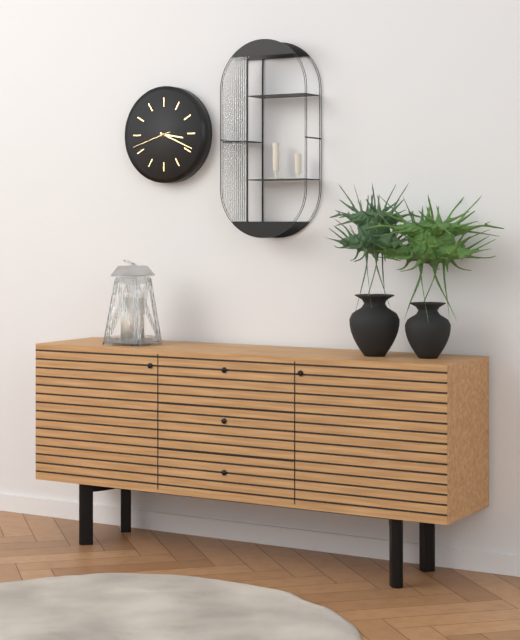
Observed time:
h=3 m=19
